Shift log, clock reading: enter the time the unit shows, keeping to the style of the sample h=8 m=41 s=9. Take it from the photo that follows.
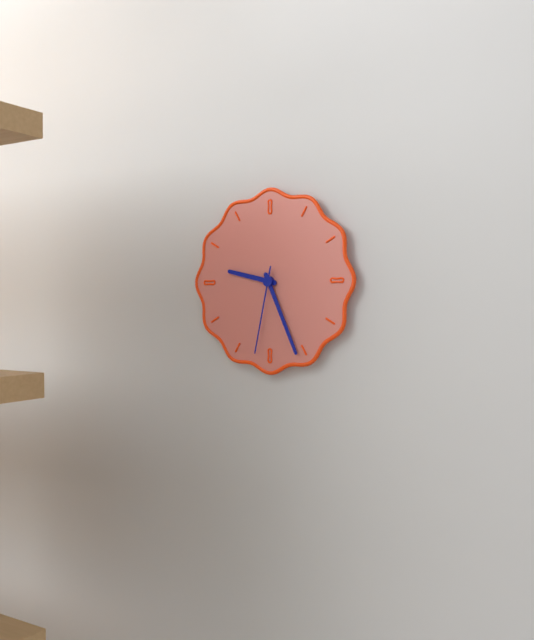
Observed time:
h=9 m=26 s=32
